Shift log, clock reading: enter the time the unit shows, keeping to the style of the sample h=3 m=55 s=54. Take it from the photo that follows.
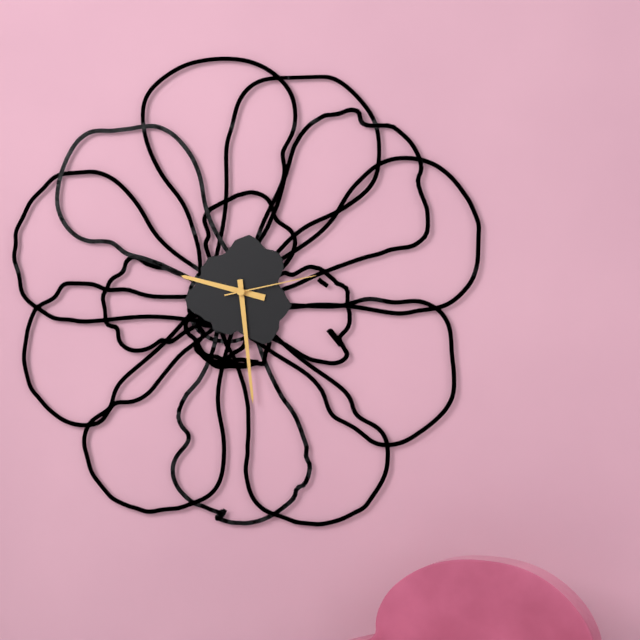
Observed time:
h=9 m=29 s=13
